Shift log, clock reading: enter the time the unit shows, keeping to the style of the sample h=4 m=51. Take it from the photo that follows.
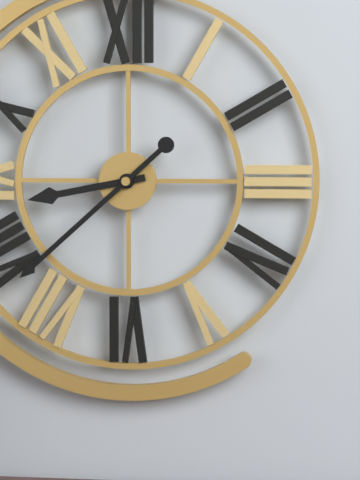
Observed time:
h=8 m=38
